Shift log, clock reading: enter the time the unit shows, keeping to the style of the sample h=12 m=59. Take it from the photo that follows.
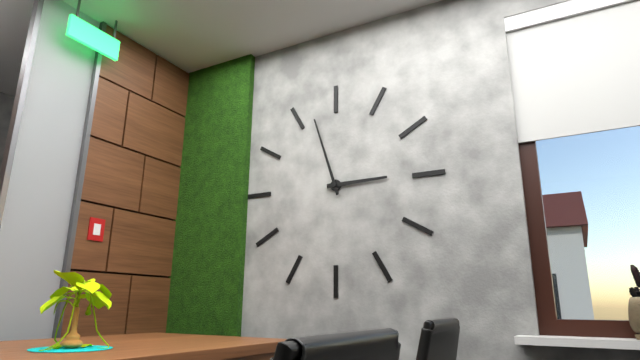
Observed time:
h=2 m=57
